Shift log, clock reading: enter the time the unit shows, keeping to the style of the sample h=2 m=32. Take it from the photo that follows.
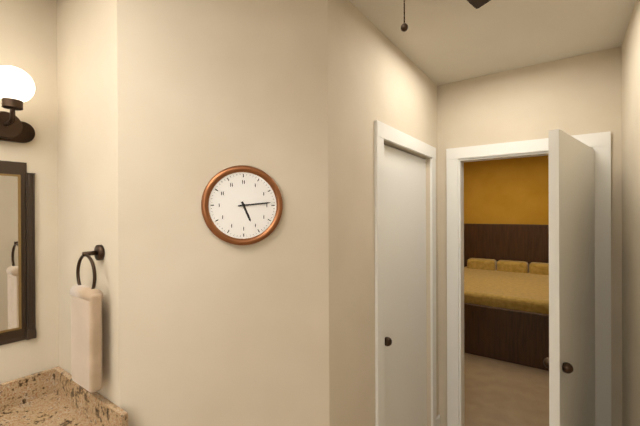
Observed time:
h=5 m=14
